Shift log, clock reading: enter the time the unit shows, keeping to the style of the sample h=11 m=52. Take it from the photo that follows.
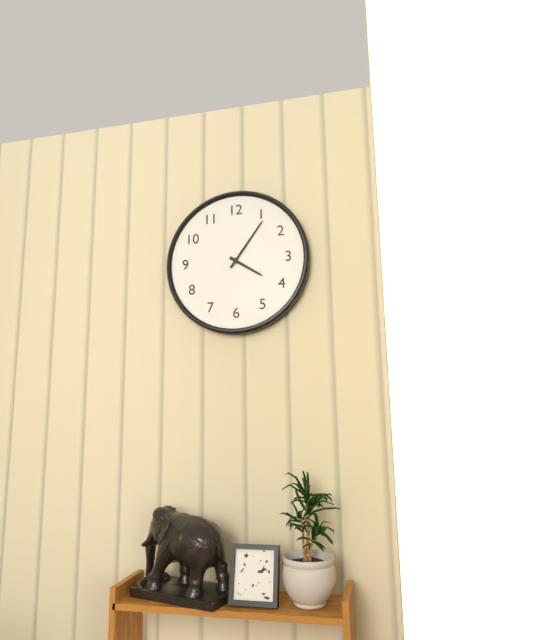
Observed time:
h=4 m=6
